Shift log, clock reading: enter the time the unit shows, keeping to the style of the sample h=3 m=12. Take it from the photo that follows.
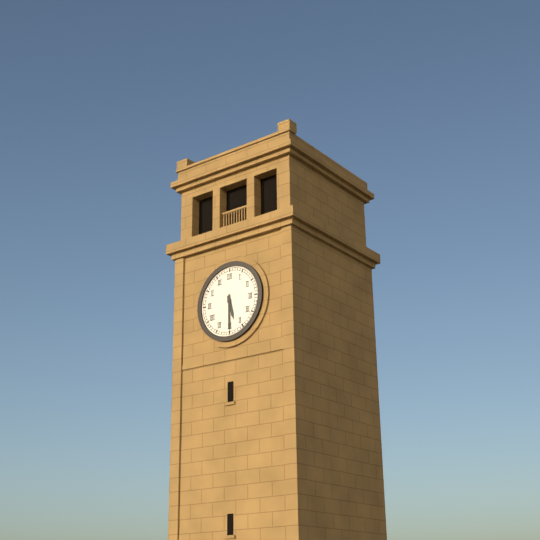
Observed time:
h=5 m=30
